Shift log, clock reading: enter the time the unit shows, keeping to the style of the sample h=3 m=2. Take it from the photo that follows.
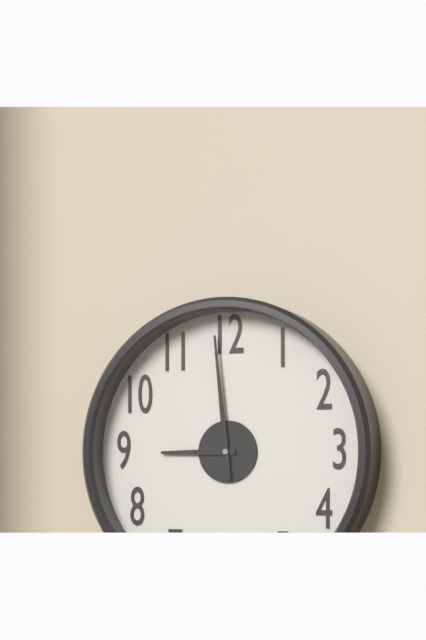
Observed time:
h=8 m=59
